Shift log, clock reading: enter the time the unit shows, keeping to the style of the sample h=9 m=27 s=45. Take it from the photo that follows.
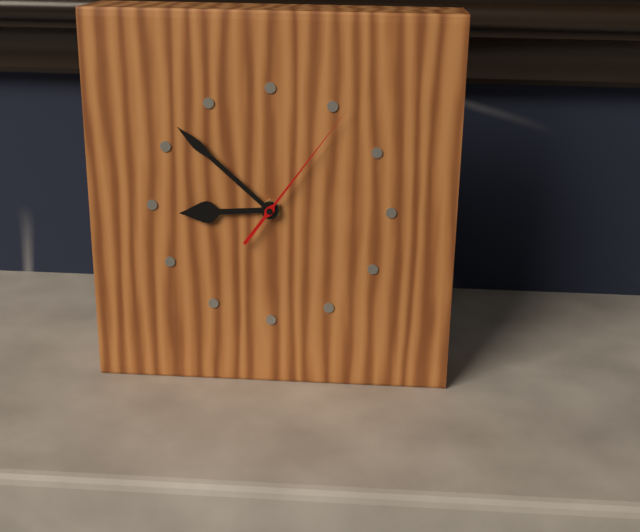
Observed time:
h=8 m=52 s=6
